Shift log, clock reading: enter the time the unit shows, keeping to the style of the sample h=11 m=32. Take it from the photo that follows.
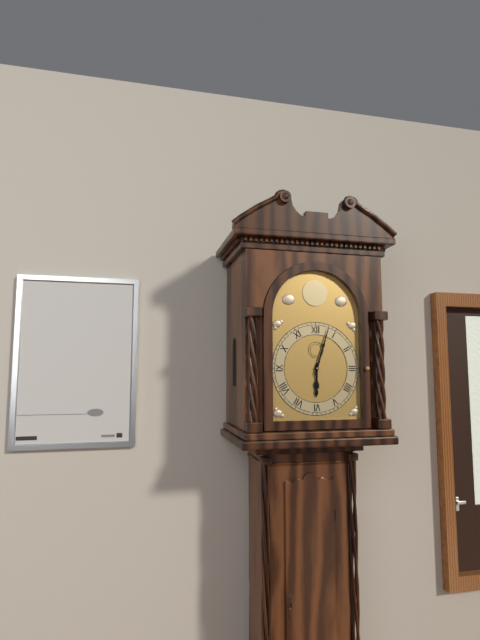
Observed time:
h=6 m=3
